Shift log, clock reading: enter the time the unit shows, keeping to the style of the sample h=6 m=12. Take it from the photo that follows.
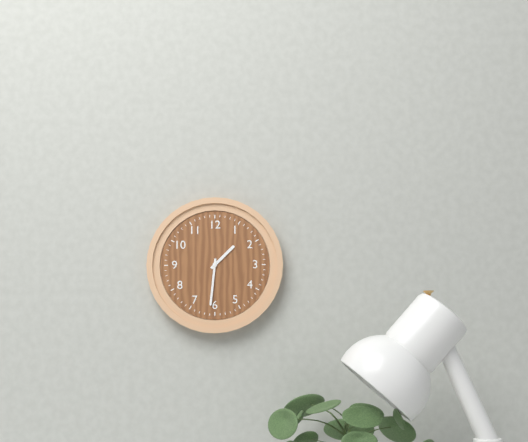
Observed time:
h=1 m=31
